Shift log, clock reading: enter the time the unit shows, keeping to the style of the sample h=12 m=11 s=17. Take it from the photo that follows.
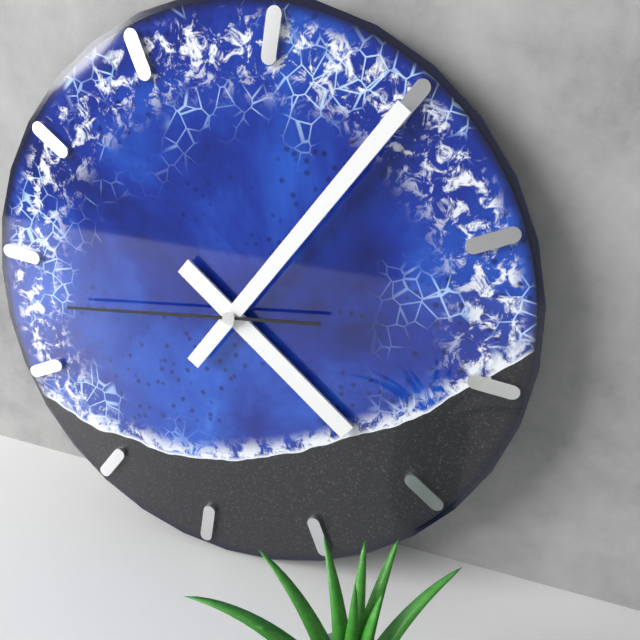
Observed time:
h=4 m=5 s=43
